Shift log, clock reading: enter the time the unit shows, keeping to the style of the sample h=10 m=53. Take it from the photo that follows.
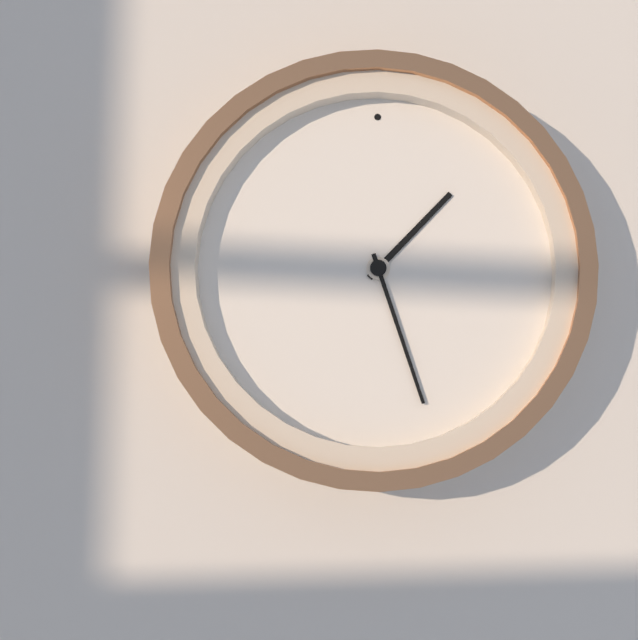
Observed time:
h=1 m=27
